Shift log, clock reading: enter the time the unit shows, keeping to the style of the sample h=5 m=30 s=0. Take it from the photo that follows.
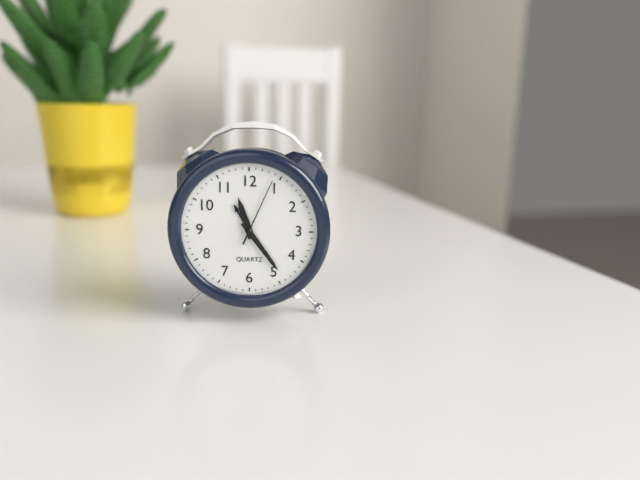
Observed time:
h=11 m=24 s=4
